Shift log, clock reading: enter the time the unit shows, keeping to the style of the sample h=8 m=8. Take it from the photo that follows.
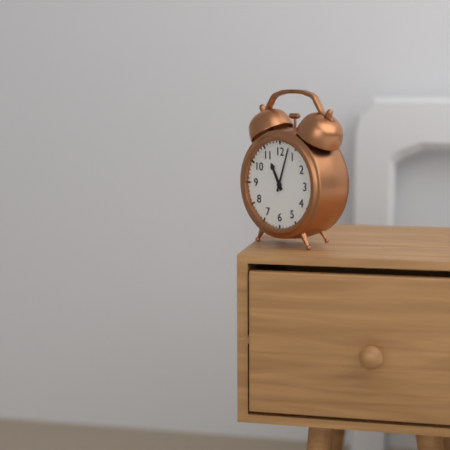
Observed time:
h=11 m=3
